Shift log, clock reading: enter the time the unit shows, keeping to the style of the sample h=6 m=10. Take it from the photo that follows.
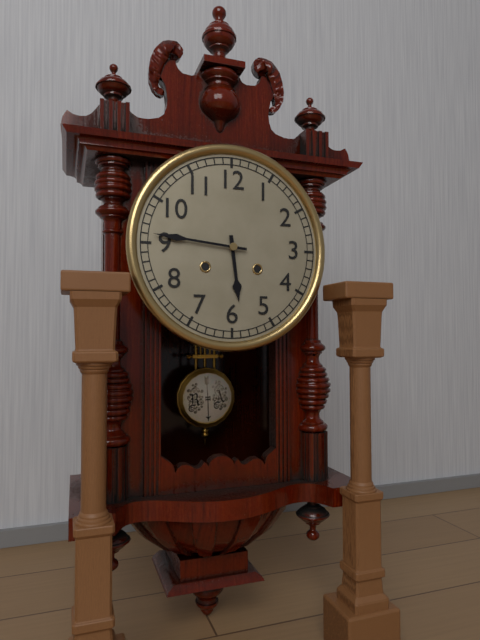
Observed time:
h=5 m=46
